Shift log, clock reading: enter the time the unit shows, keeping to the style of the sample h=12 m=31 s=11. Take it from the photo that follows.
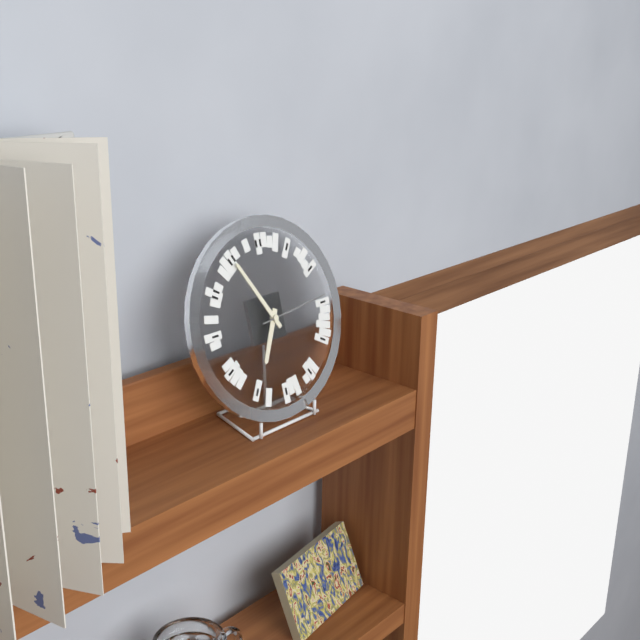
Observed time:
h=6 m=55 s=14
